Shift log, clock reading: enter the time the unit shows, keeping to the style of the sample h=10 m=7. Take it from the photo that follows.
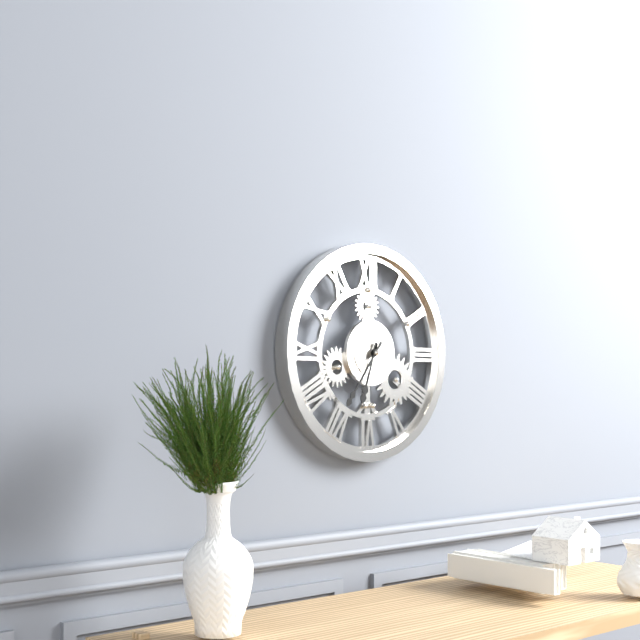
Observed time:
h=6 m=36
